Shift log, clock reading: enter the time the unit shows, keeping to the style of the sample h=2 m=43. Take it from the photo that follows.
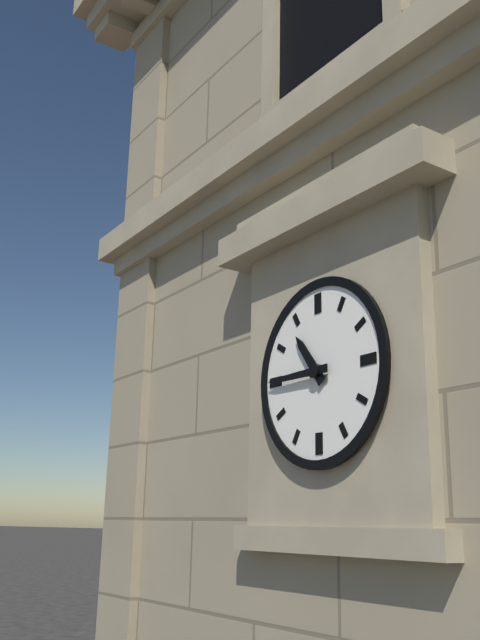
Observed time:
h=10 m=45
